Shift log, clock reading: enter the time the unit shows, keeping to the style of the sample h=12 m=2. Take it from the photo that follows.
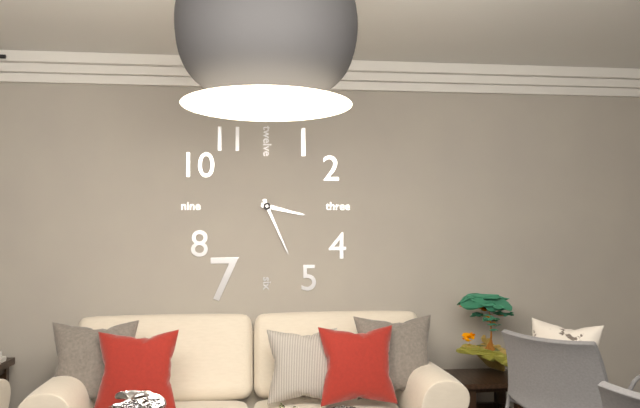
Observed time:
h=3 m=26
